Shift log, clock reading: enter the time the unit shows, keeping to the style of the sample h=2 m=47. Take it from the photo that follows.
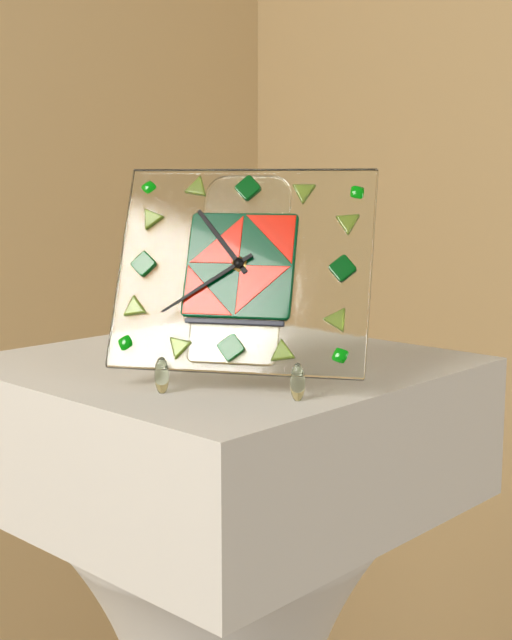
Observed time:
h=10 m=39
